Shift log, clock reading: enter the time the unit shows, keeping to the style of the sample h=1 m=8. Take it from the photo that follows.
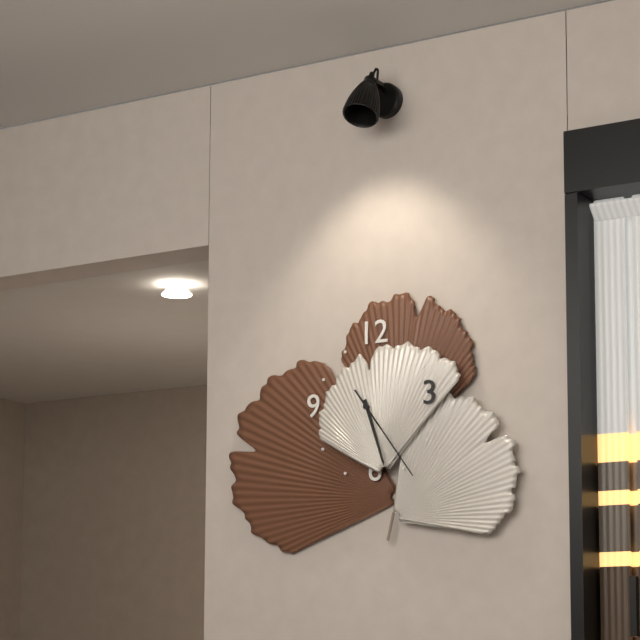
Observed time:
h=5 m=24
